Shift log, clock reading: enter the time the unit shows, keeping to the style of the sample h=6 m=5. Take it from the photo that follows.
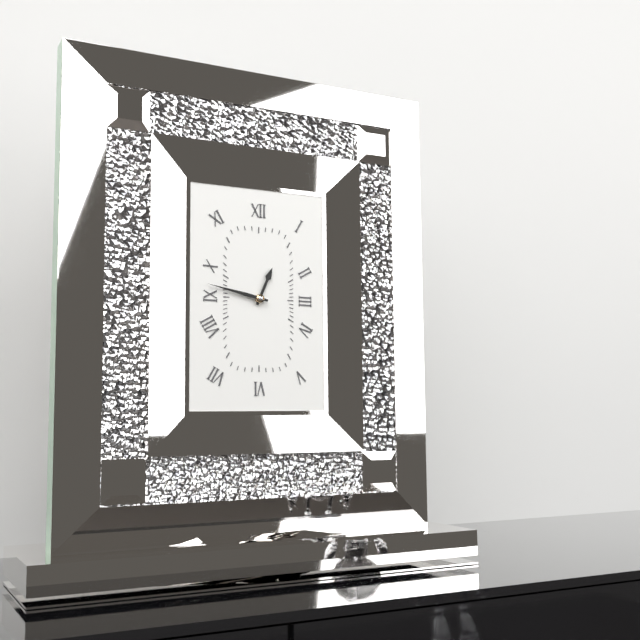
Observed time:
h=12 m=47
